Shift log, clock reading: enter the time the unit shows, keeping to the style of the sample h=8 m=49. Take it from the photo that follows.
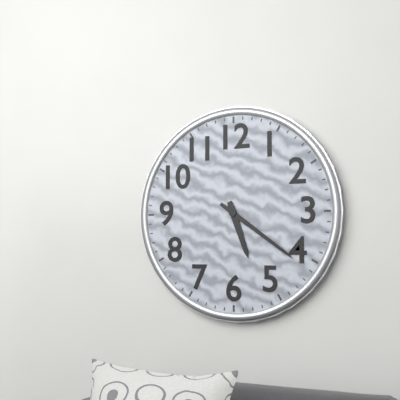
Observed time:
h=5 m=21
